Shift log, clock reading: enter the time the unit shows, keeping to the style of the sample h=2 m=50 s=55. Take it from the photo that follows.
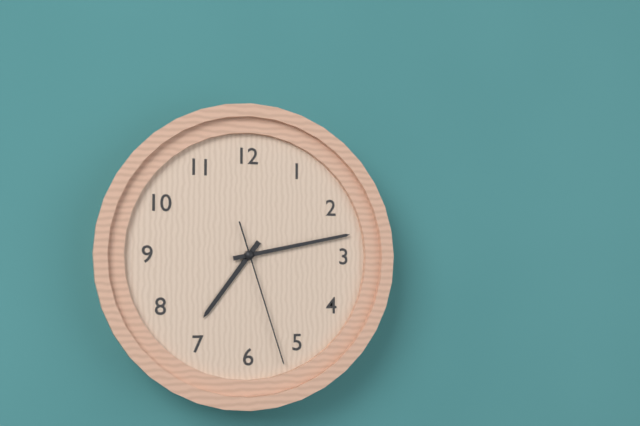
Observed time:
h=7 m=13 s=27
